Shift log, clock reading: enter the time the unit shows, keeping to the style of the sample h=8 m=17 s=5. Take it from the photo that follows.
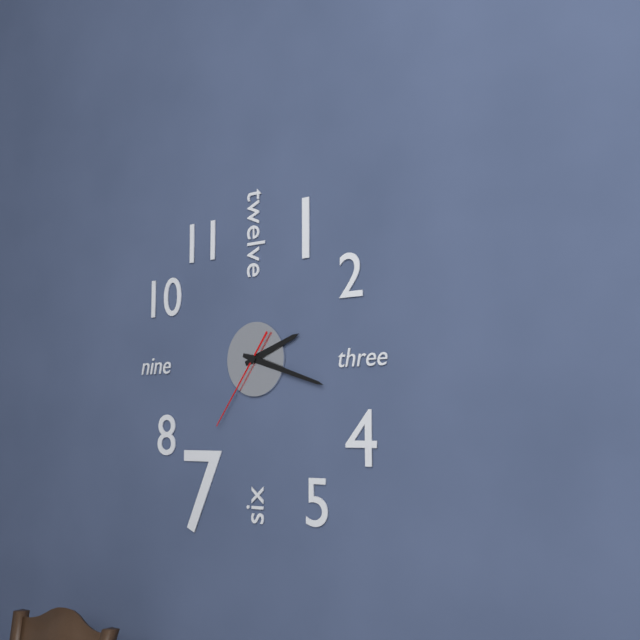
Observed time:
h=2 m=18 s=36
